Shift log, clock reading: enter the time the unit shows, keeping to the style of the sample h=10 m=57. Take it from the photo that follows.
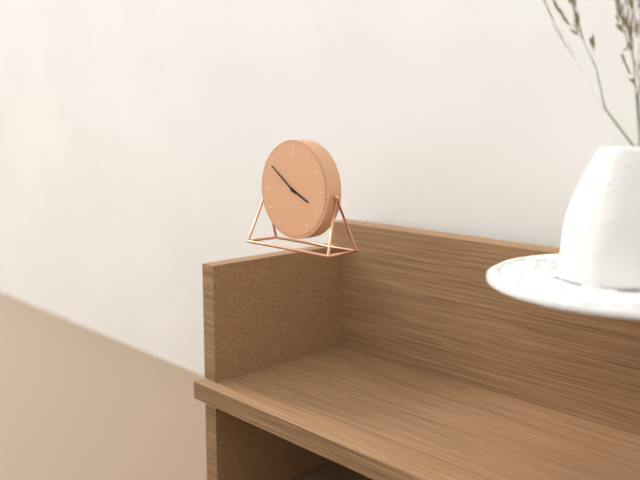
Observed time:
h=3 m=51
